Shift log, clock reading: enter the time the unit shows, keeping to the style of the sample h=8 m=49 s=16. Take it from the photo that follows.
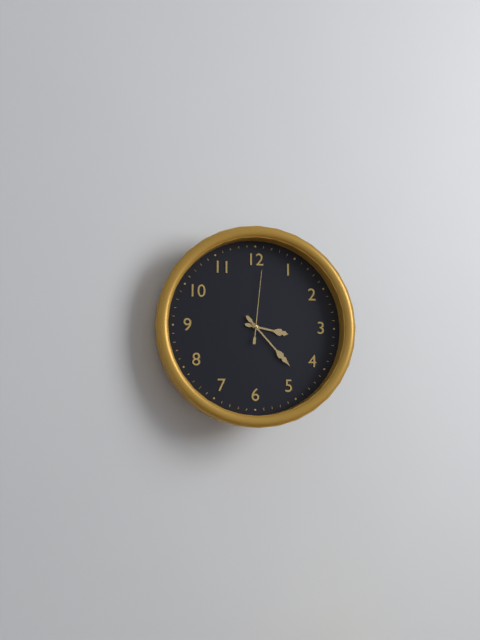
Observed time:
h=3 m=23 s=1
